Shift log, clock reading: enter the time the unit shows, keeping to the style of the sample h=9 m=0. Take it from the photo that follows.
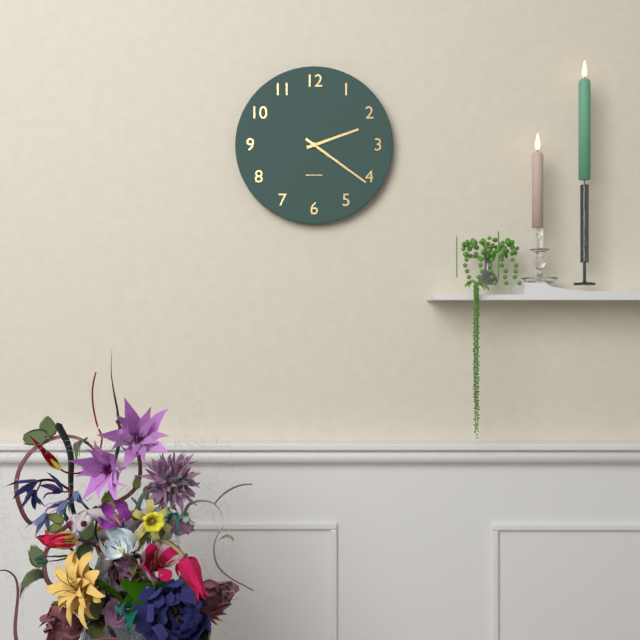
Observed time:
h=2 m=21
